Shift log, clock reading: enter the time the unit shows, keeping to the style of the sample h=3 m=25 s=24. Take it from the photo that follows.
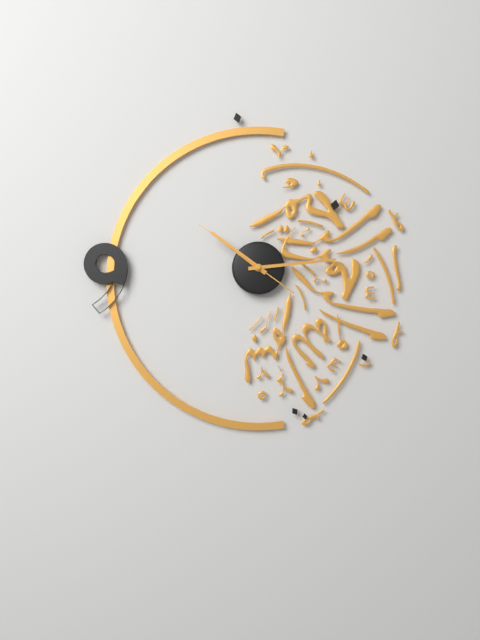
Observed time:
h=10 m=14 s=51
